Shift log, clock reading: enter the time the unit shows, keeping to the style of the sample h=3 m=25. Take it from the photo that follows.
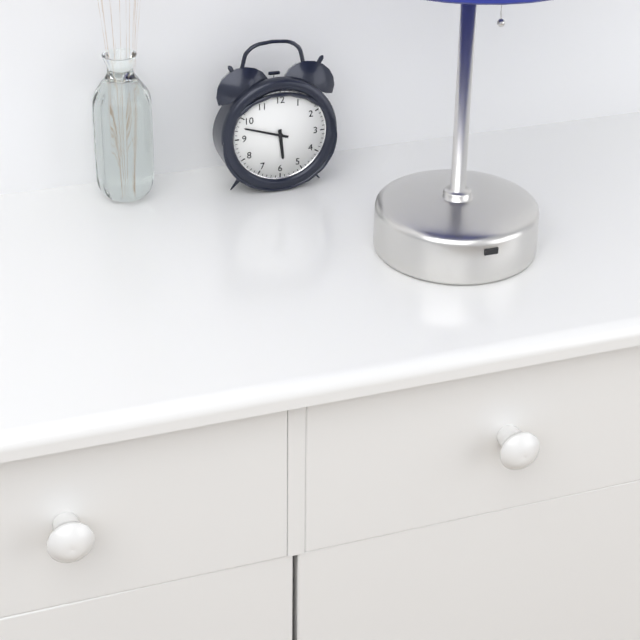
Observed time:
h=5 m=48
